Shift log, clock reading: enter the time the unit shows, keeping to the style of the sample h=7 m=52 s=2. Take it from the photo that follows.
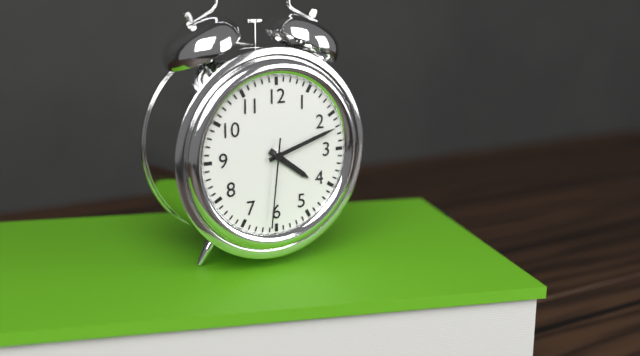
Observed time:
h=4 m=12 s=31
